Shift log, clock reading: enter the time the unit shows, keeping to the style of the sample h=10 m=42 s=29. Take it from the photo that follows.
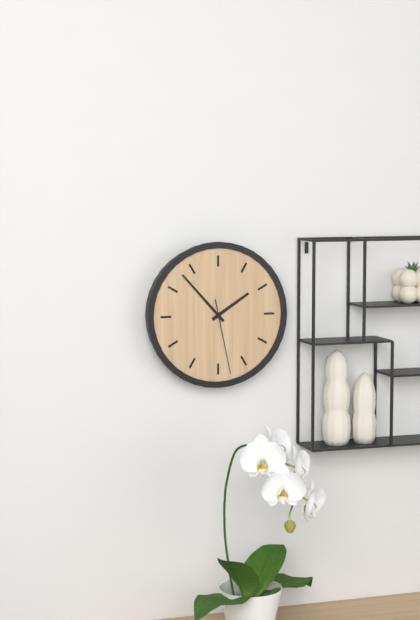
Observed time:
h=1 m=53 s=28
